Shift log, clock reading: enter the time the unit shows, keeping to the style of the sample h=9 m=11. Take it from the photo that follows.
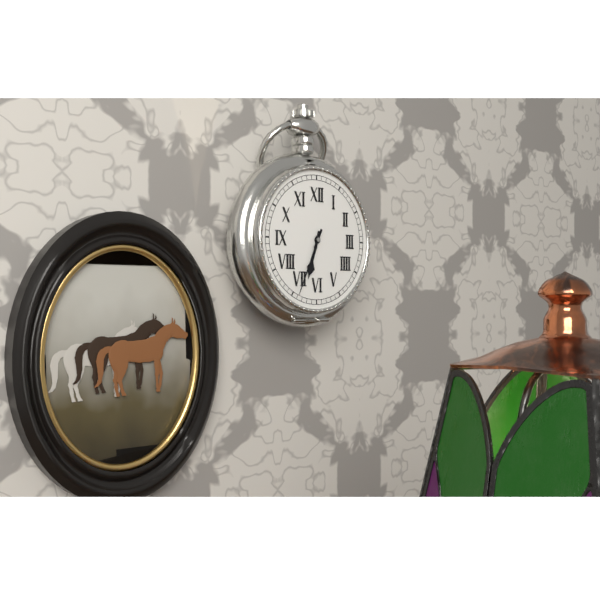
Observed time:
h=6 m=34
